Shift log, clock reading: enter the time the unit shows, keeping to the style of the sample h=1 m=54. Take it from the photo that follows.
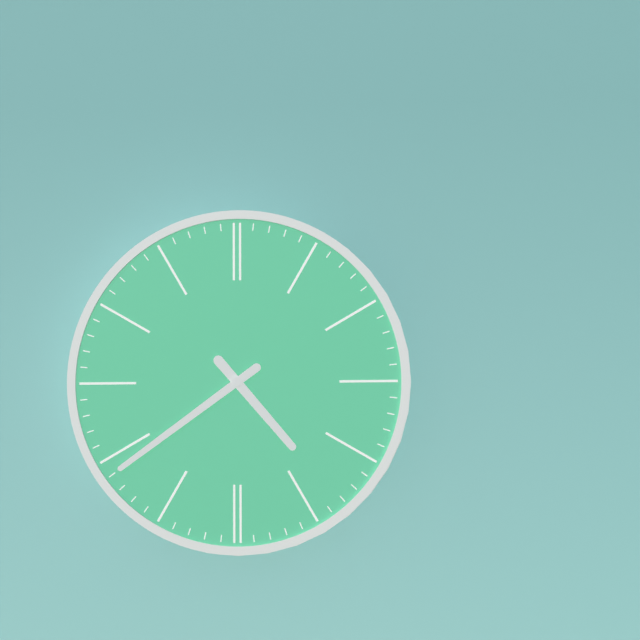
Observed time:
h=4 m=39
